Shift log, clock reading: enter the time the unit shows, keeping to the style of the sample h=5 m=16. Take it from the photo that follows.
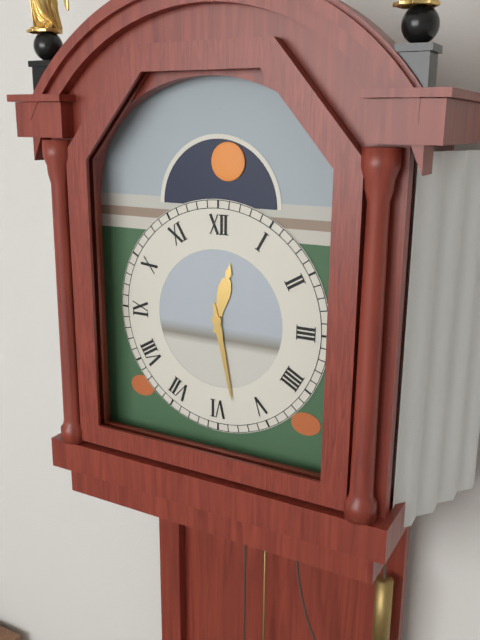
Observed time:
h=12 m=28
